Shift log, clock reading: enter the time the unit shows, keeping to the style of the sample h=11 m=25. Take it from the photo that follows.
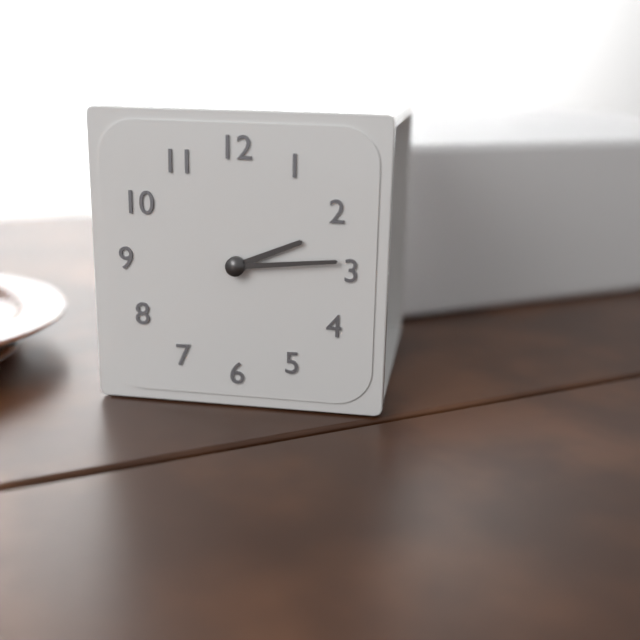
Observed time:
h=2 m=14
